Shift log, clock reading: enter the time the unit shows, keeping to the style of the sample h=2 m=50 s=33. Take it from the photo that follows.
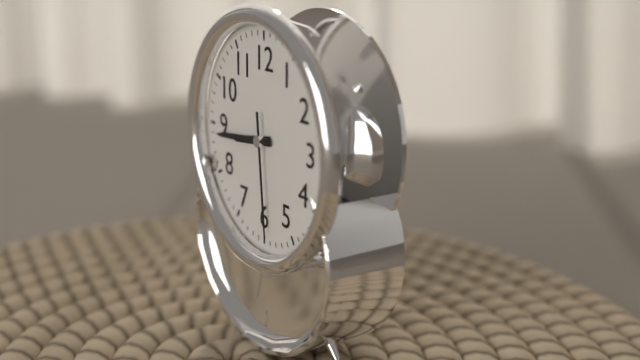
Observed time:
h=8 m=44 s=29
